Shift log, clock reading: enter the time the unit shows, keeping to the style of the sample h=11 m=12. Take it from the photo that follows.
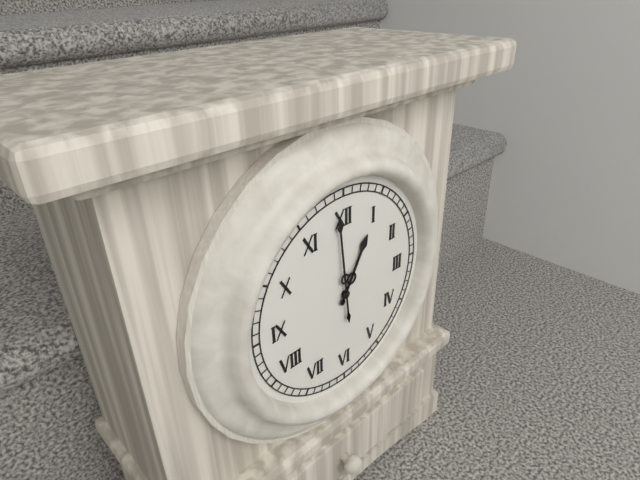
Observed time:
h=12 m=59
